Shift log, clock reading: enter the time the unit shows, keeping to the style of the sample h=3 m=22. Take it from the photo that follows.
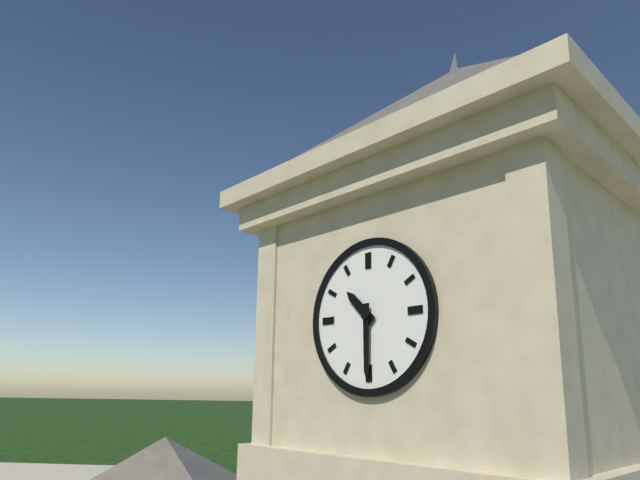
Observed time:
h=10 m=30
